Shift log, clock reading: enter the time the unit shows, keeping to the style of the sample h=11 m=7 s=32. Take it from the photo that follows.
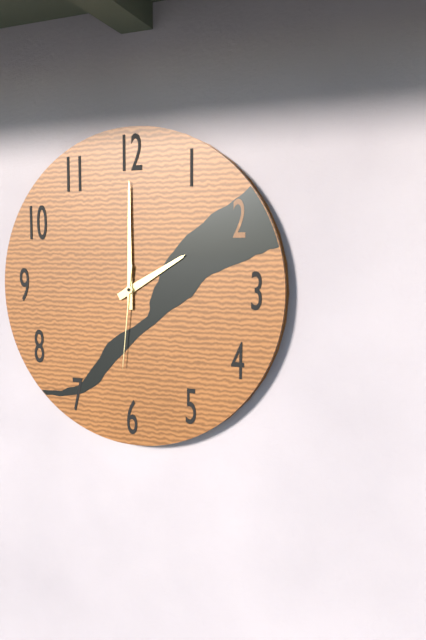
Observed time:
h=2 m=0 s=31
